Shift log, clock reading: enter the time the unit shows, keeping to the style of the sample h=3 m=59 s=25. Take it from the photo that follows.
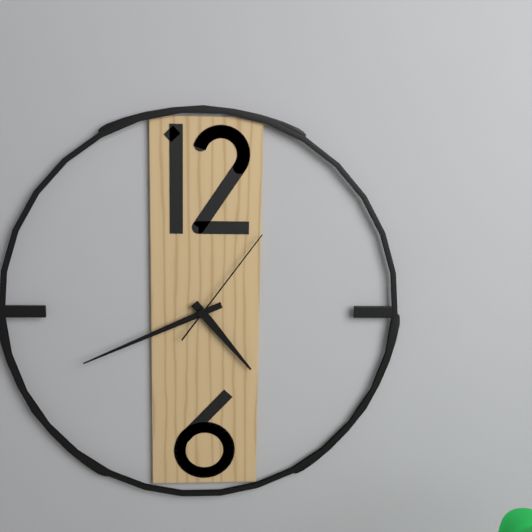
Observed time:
h=4 m=41 s=6
